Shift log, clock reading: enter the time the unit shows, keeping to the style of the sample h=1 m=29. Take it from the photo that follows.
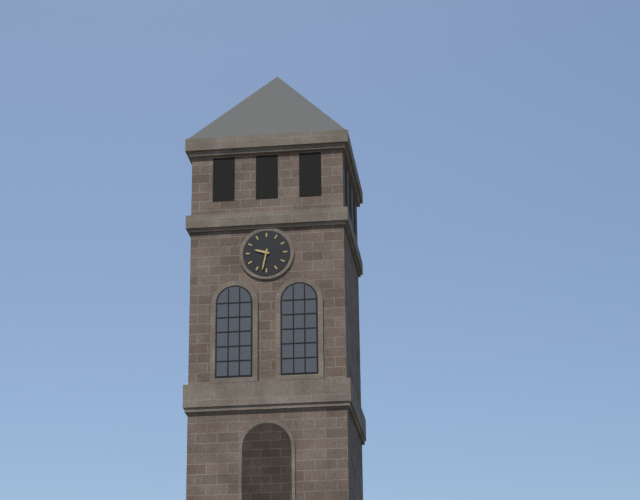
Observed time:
h=9 m=32
